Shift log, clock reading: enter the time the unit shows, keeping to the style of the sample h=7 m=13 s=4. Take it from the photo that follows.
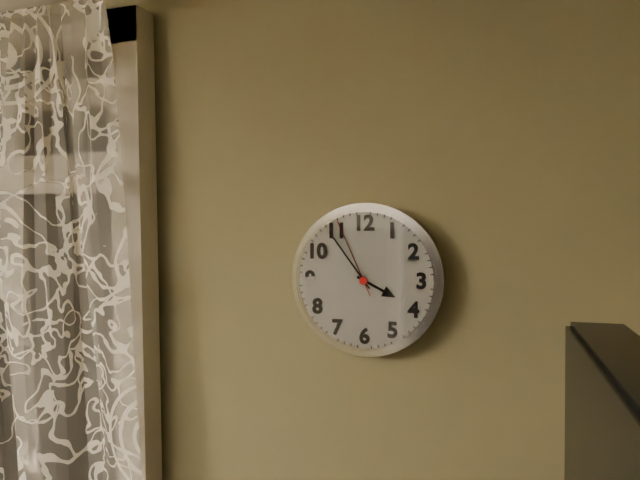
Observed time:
h=3 m=54 s=56
